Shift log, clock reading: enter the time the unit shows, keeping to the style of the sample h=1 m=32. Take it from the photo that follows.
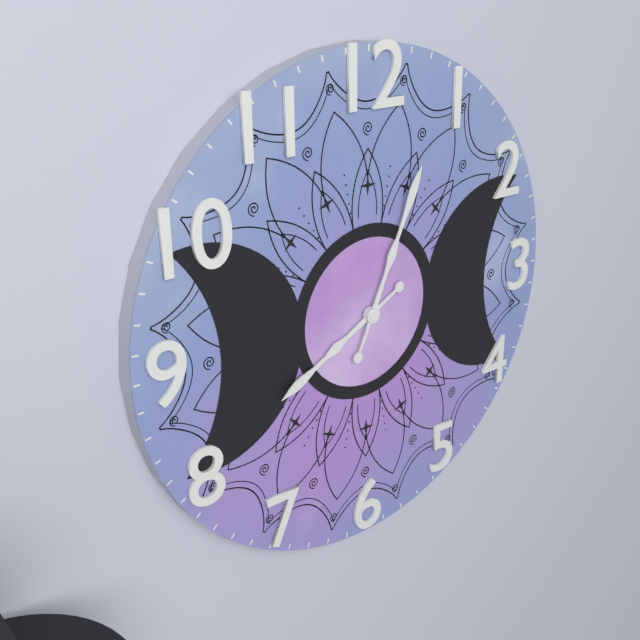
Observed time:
h=8 m=4
